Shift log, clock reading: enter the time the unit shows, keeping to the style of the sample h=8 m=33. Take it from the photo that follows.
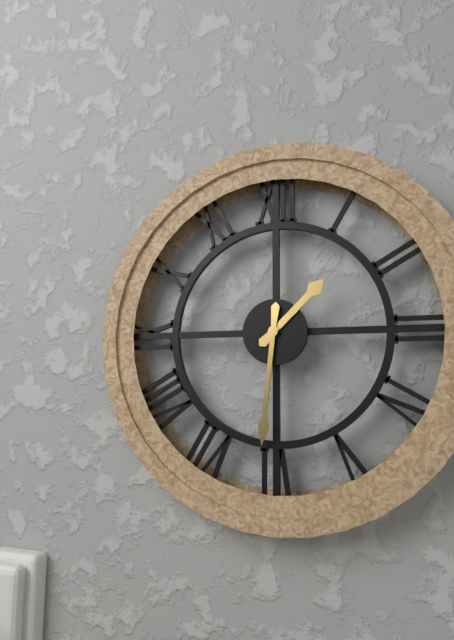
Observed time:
h=1 m=31
